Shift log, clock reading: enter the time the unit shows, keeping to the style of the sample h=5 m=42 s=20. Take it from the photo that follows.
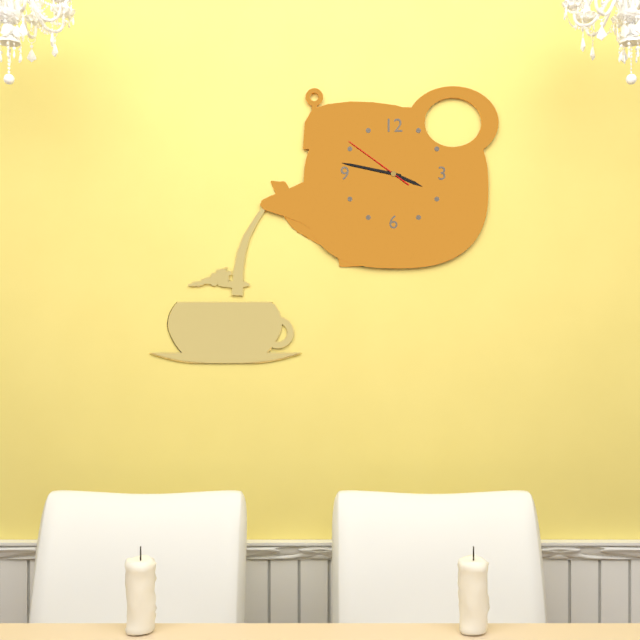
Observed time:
h=3 m=47 s=51
